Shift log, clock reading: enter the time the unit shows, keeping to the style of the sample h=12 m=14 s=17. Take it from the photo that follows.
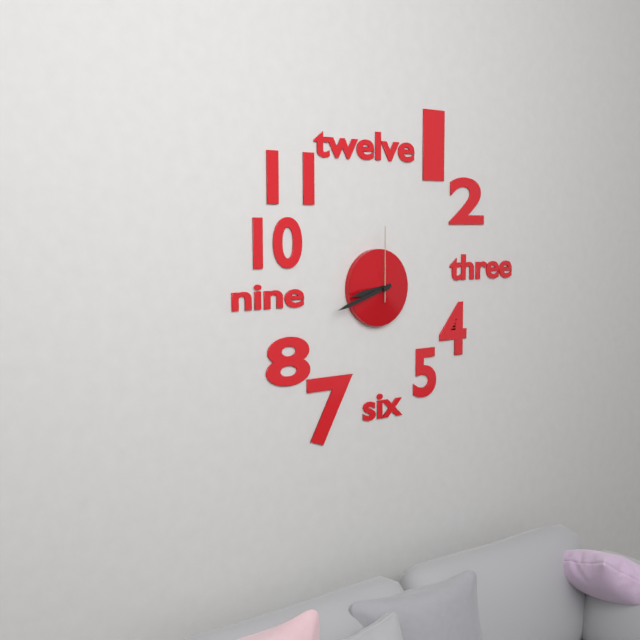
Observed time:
h=8 m=42 s=0
